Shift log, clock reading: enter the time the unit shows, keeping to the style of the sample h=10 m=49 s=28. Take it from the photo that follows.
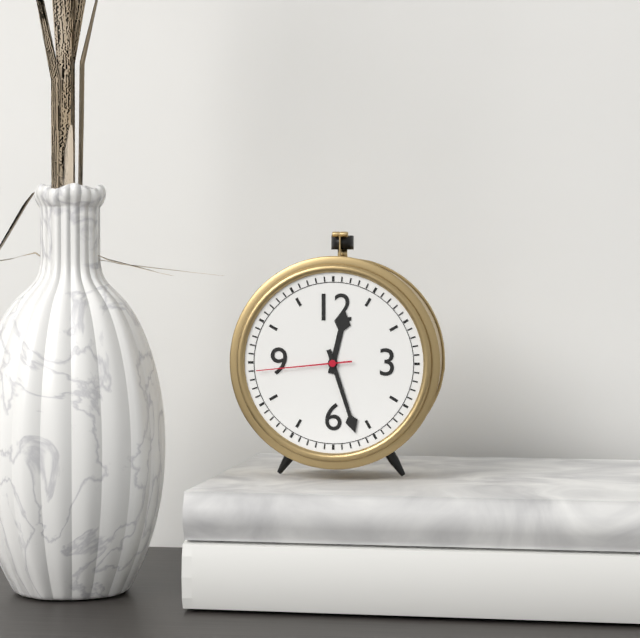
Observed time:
h=12 m=27 s=44
